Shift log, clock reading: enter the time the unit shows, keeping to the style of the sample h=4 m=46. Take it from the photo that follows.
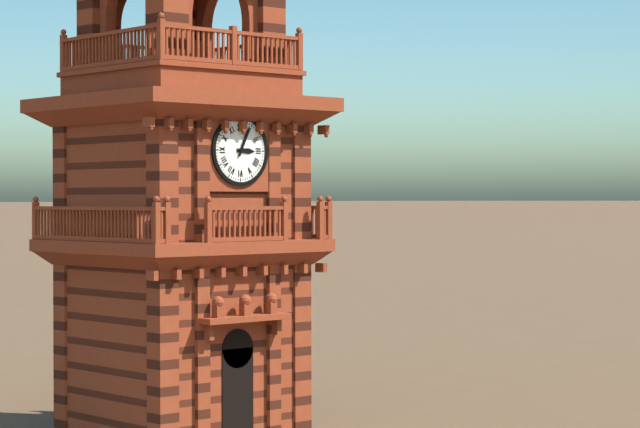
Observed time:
h=3 m=4
